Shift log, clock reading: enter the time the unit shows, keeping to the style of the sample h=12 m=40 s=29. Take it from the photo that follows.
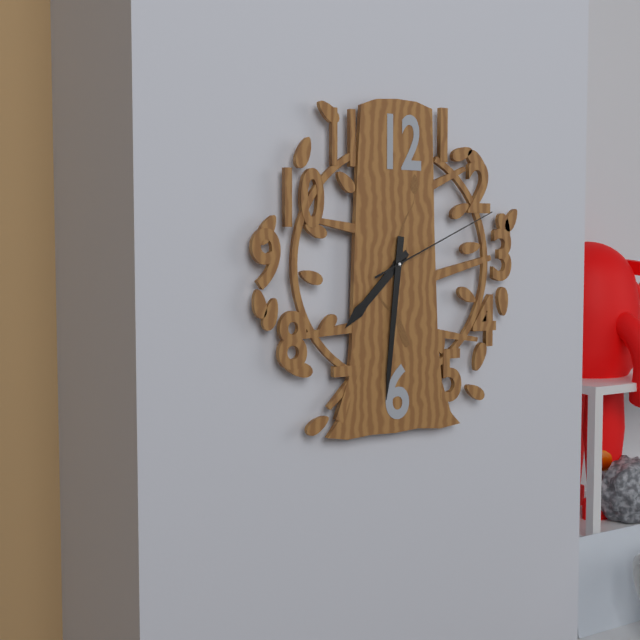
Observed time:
h=7 m=31 s=11
